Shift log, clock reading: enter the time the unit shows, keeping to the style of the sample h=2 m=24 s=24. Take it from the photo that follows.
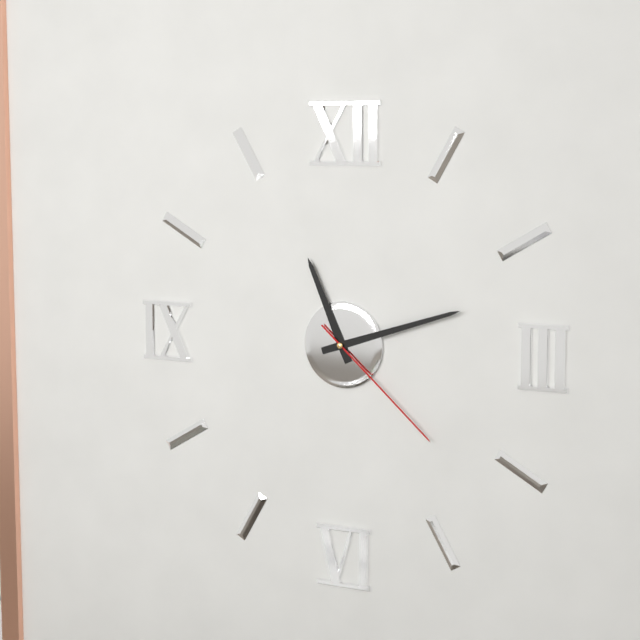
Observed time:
h=11 m=12 s=22
